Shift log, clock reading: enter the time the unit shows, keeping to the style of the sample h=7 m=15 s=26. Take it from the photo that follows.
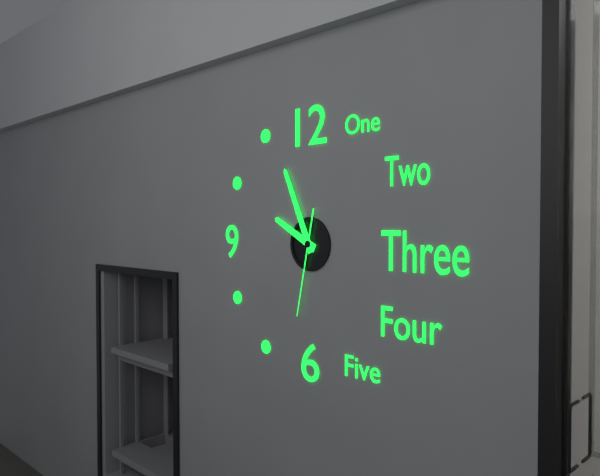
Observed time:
h=9 m=56 s=32
